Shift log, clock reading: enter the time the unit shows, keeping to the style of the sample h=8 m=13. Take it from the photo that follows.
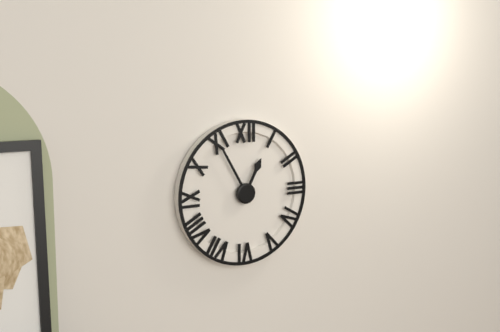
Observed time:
h=12 m=55
